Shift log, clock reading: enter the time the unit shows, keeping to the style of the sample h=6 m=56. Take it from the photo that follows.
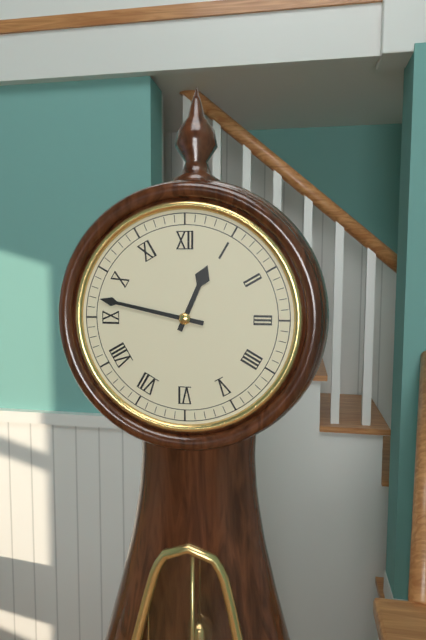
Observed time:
h=12 m=47
